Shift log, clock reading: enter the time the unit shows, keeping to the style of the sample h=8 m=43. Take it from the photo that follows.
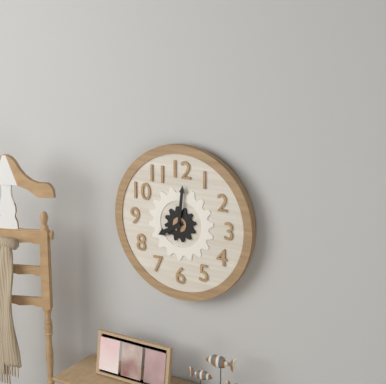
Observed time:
h=8 m=1
